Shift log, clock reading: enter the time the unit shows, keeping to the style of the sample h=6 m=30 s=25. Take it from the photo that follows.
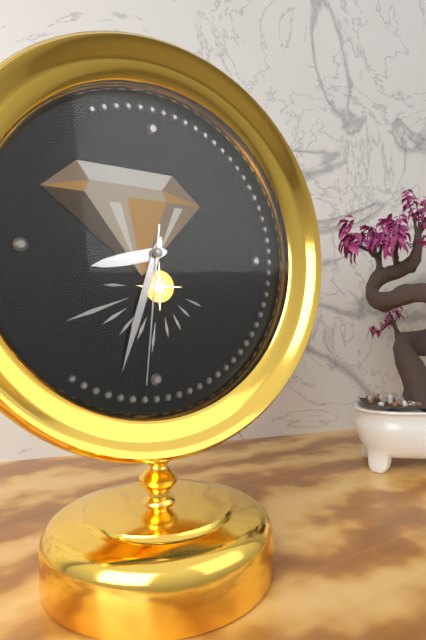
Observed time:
h=8 m=33 s=31
